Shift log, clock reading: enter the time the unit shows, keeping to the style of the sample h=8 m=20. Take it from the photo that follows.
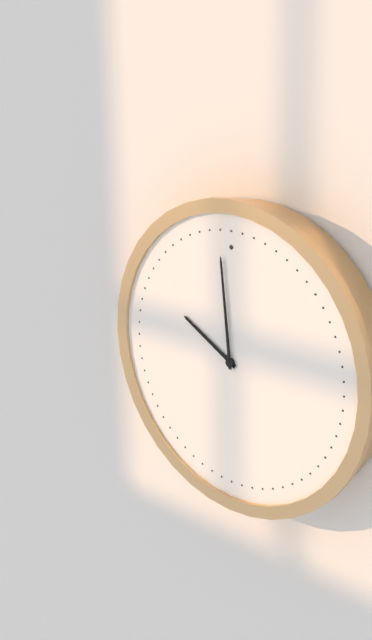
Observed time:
h=9 m=59
